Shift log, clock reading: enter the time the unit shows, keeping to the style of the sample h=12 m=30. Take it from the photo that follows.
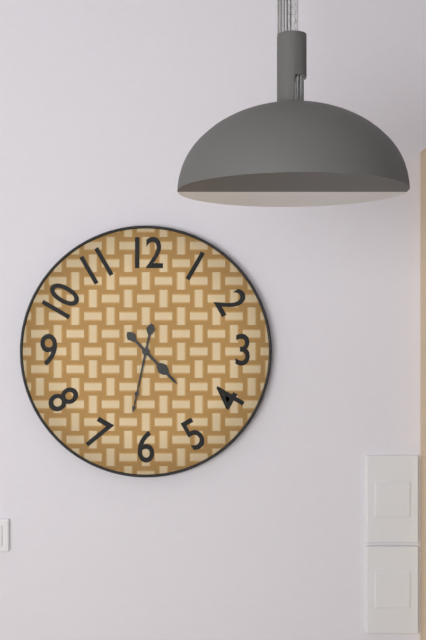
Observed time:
h=4 m=32
